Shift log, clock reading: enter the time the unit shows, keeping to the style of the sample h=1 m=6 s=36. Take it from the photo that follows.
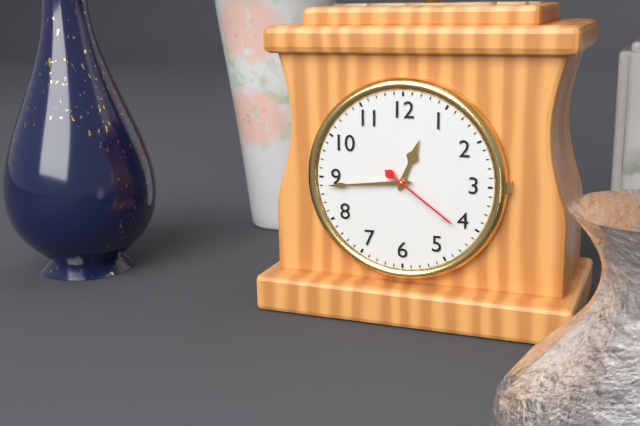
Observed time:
h=12 m=44 s=21
